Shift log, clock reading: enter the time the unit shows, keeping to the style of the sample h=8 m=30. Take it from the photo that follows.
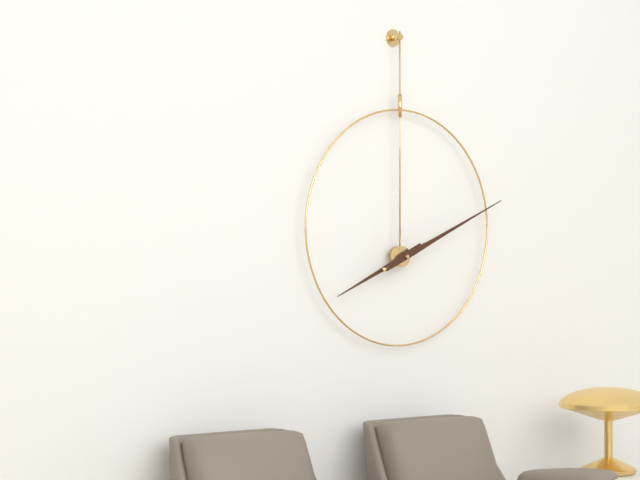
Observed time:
h=8 m=11
